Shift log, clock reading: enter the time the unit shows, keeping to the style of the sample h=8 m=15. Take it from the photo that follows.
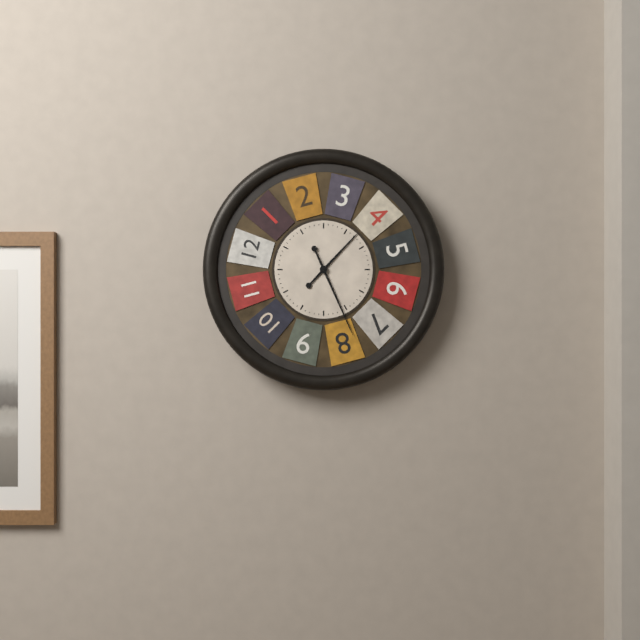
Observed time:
h=1 m=26
